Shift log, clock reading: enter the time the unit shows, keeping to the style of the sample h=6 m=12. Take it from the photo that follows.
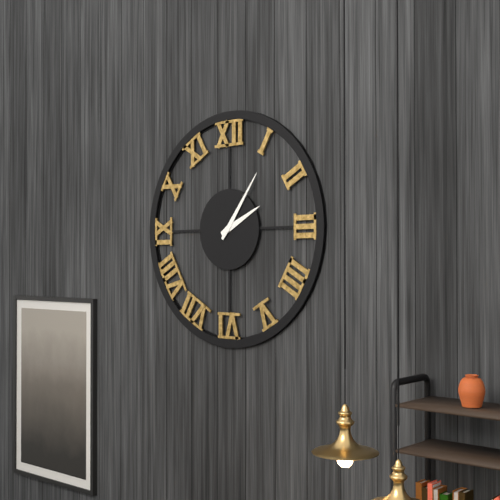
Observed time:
h=2 m=6
